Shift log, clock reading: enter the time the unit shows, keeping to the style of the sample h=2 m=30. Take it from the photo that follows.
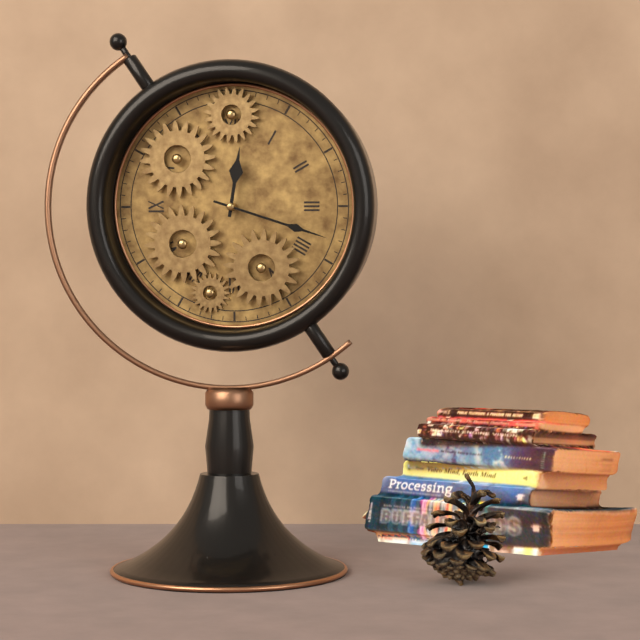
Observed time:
h=12 m=18
